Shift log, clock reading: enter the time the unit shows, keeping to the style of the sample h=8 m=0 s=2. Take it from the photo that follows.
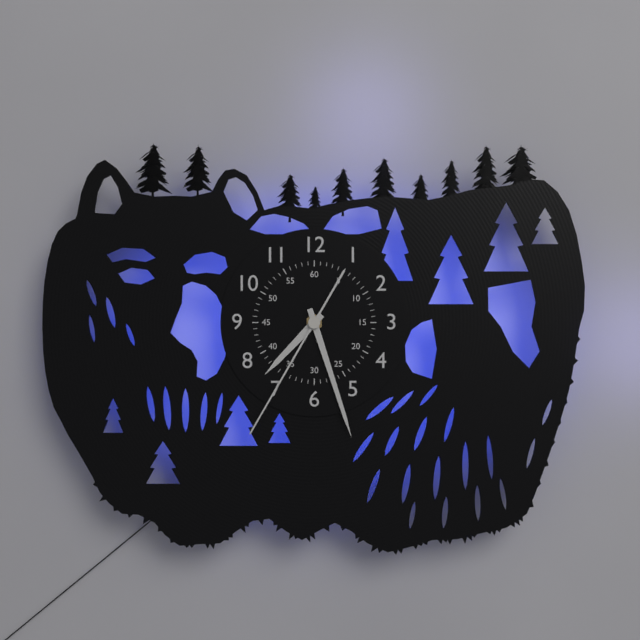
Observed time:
h=7 m=27 s=35
